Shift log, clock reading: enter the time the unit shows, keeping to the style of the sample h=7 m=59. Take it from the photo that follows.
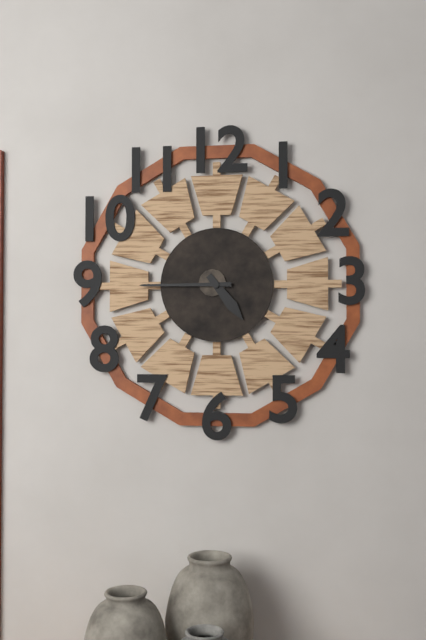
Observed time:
h=4 m=45
